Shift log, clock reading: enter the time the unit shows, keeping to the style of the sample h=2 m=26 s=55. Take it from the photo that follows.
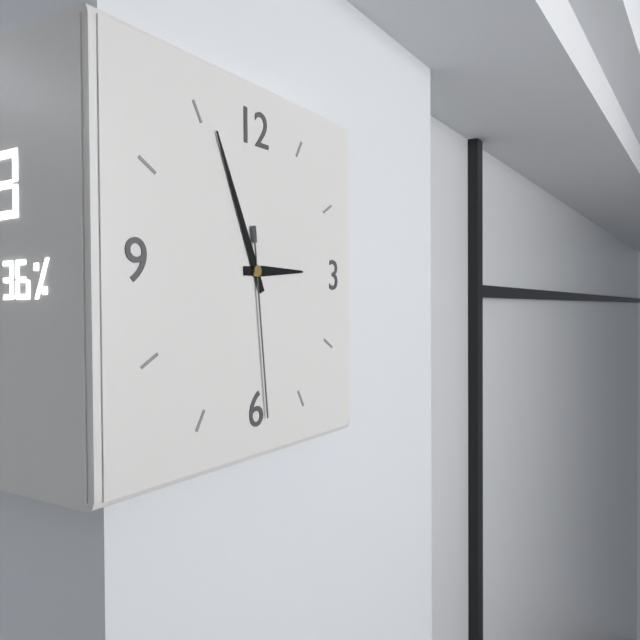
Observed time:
h=2 m=56 s=29
